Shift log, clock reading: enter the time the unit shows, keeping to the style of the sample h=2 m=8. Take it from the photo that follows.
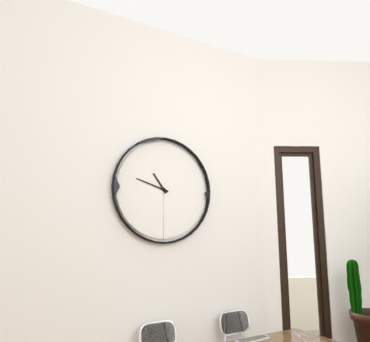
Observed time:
h=10 m=48
